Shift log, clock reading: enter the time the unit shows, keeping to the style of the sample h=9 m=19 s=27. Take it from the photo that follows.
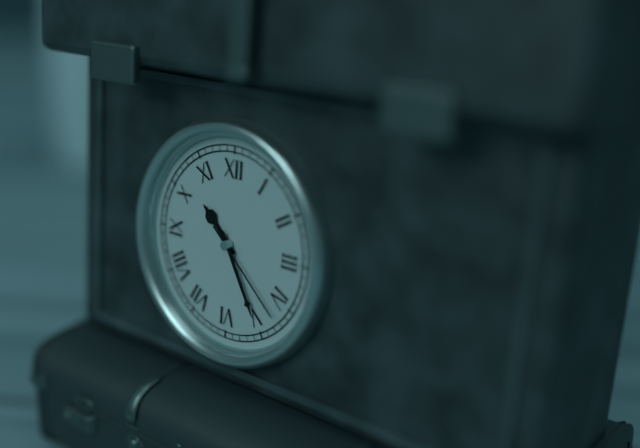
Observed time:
h=10 m=25 s=22
